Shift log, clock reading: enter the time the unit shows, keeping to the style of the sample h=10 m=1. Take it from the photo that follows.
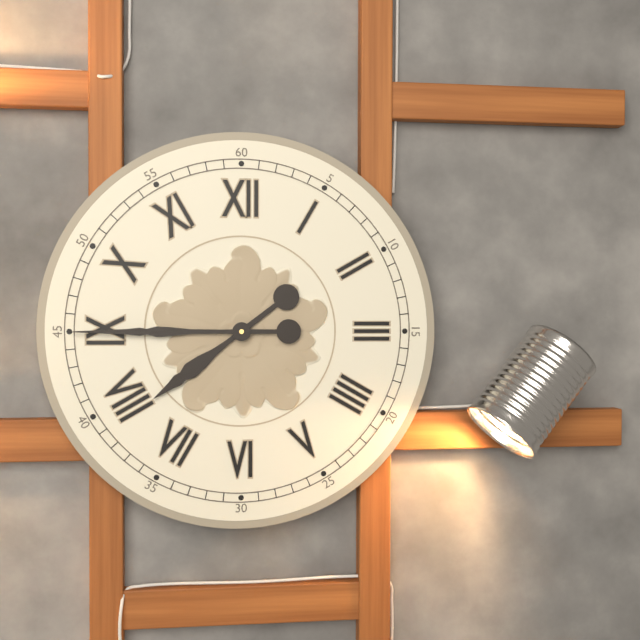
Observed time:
h=7 m=45
